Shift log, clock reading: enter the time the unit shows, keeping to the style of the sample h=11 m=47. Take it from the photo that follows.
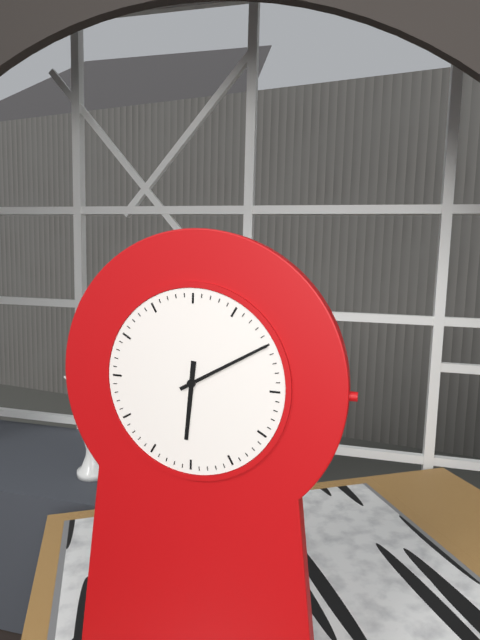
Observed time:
h=6 m=10
